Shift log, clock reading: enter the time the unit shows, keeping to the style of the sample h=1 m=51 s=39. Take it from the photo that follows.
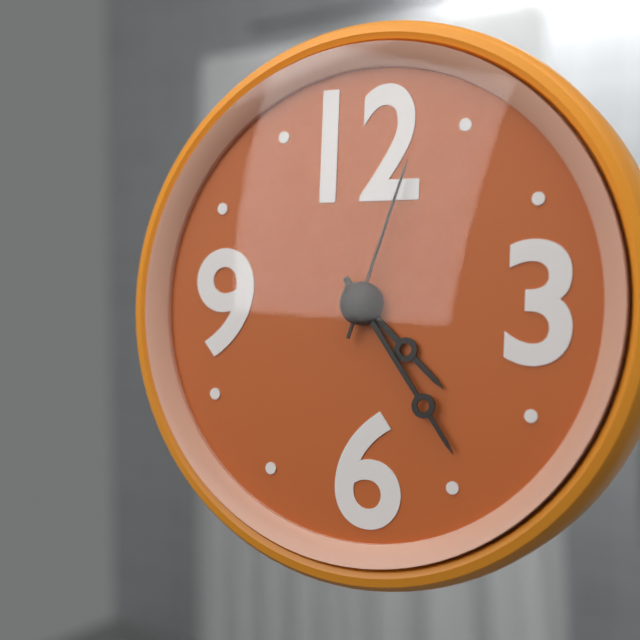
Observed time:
h=4 m=24 s=3
